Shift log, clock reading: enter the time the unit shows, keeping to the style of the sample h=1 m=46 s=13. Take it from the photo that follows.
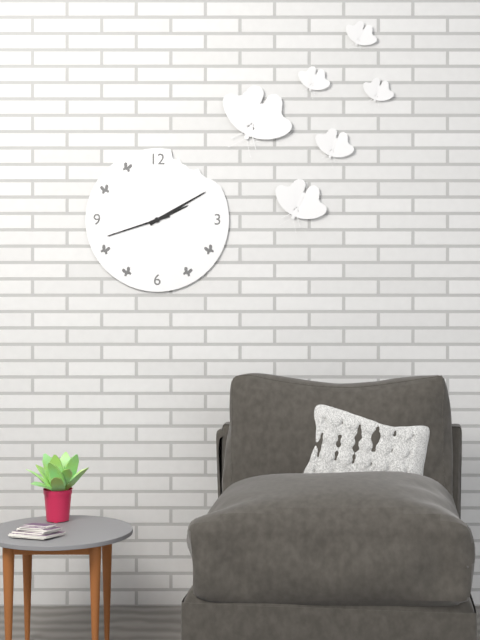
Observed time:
h=2 m=10 s=42
